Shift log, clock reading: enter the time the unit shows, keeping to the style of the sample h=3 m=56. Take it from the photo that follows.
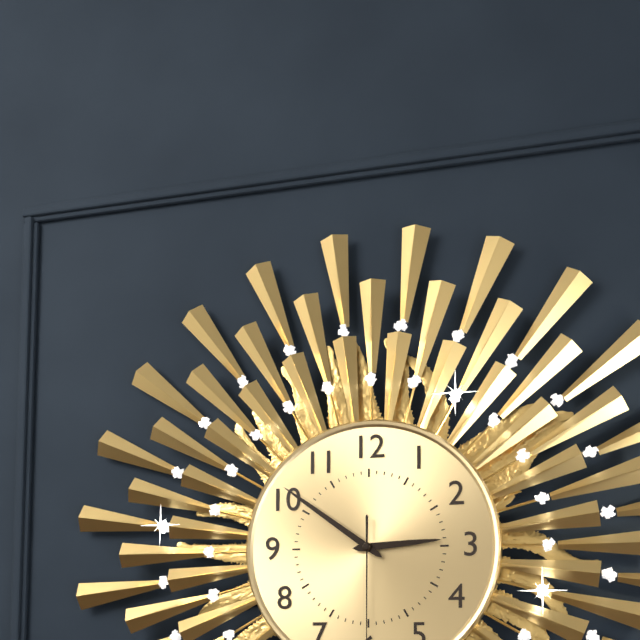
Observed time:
h=2 m=51
